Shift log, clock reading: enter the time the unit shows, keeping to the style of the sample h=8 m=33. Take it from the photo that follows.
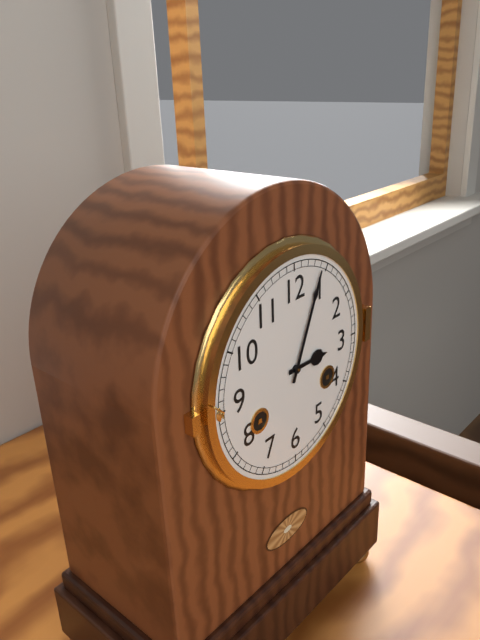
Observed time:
h=3 m=4
